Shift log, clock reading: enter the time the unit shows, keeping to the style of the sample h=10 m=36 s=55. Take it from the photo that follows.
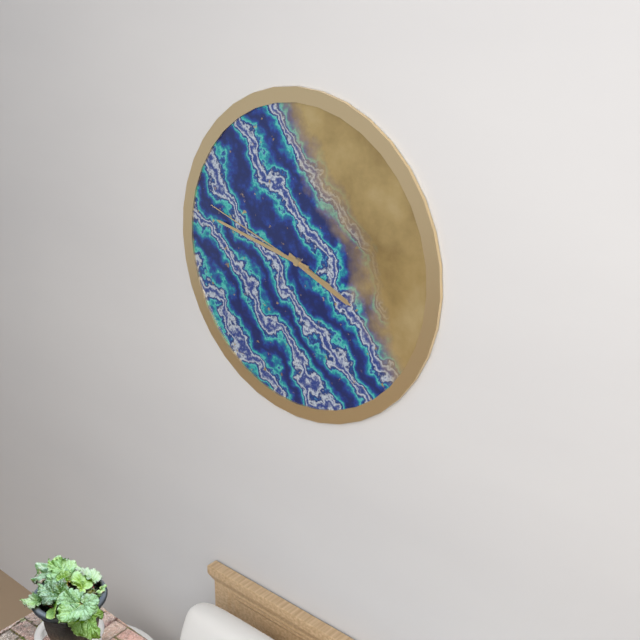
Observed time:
h=3 m=47 s=48
